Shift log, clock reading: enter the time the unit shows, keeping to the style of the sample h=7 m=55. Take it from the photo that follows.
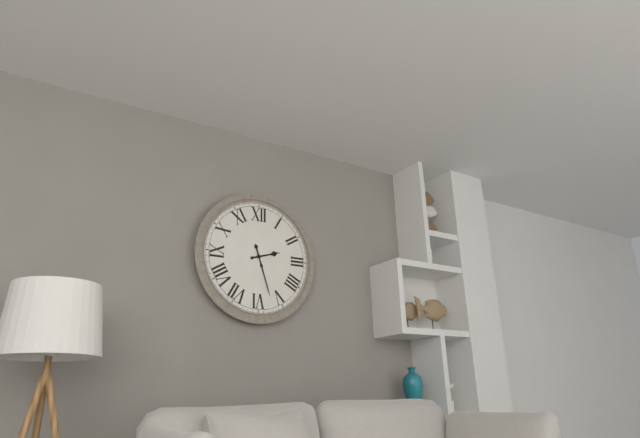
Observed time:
h=2 m=27
